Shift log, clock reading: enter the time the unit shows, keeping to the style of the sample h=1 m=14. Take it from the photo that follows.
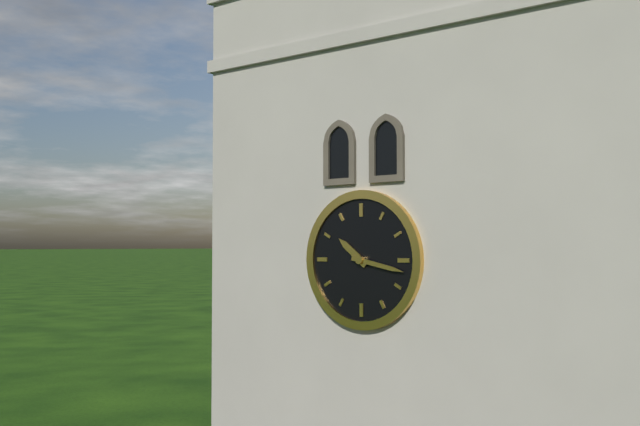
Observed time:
h=10 m=17
